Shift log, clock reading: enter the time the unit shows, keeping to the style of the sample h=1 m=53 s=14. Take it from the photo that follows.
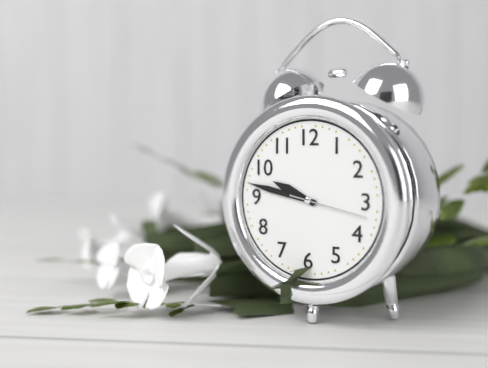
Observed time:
h=9 m=47 s=17
